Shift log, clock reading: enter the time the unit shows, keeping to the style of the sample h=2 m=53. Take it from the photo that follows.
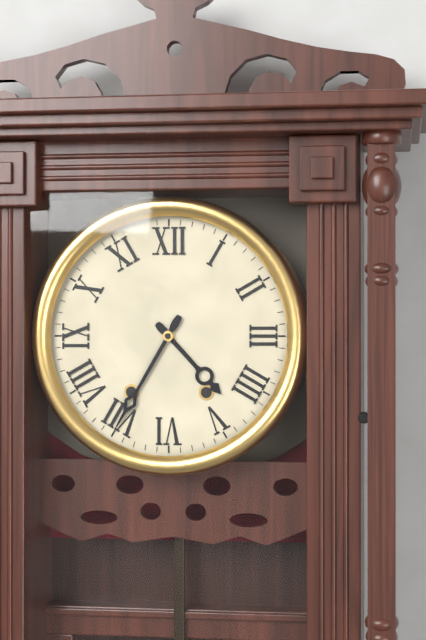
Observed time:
h=4 m=35
